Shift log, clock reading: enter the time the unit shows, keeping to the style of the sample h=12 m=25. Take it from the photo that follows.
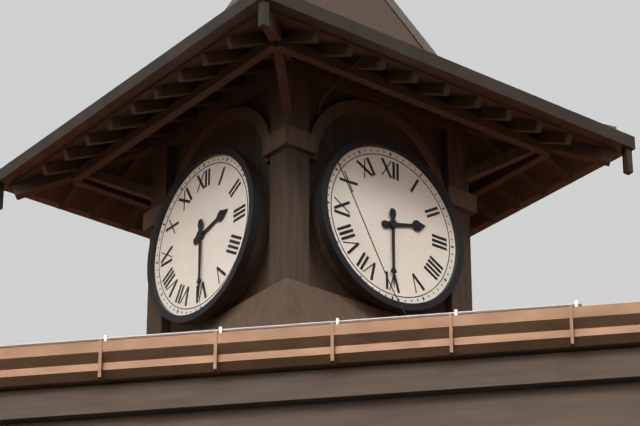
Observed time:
h=2 m=30
